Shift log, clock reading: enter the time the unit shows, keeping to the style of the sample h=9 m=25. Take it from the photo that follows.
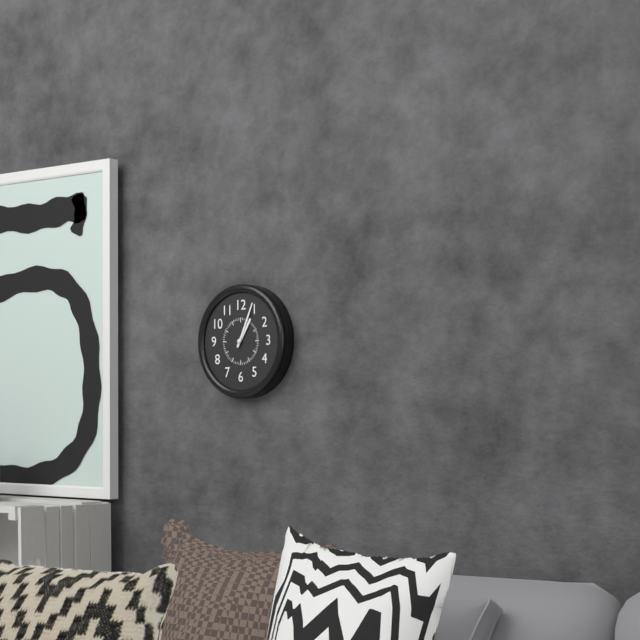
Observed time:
h=1 m=4
